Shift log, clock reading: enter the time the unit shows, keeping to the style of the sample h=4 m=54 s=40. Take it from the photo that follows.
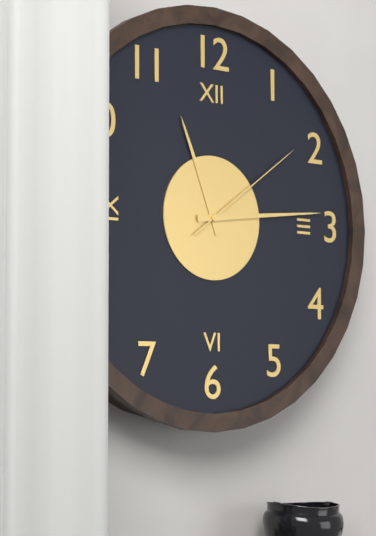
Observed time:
h=11 m=14 s=9
